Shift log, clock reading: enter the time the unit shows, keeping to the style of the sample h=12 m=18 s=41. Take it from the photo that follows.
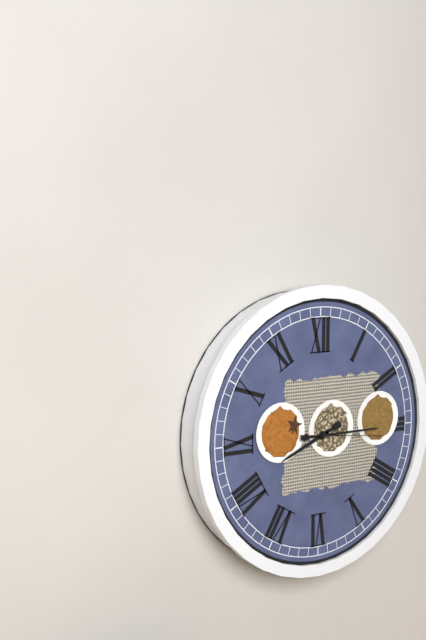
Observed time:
h=8 m=15 s=16
